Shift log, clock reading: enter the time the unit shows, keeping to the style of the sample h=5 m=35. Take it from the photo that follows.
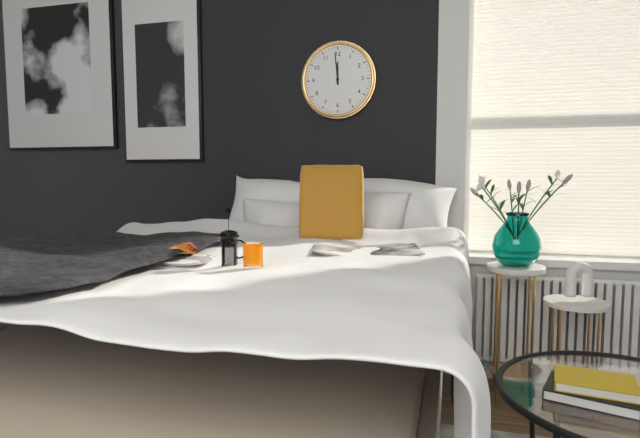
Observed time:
h=11 m=59
